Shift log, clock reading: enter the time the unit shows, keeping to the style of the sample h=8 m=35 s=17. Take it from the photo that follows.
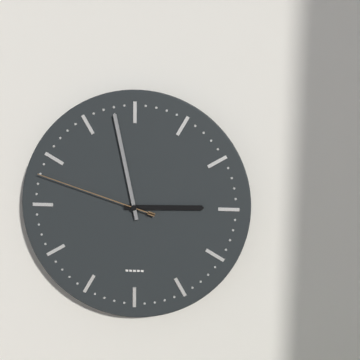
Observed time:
h=2 m=58 s=48
